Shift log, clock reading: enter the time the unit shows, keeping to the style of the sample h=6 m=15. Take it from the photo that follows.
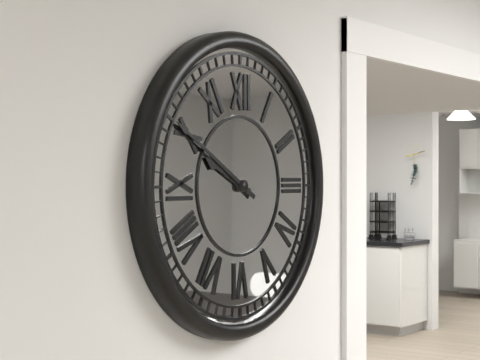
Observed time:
h=9 m=50
